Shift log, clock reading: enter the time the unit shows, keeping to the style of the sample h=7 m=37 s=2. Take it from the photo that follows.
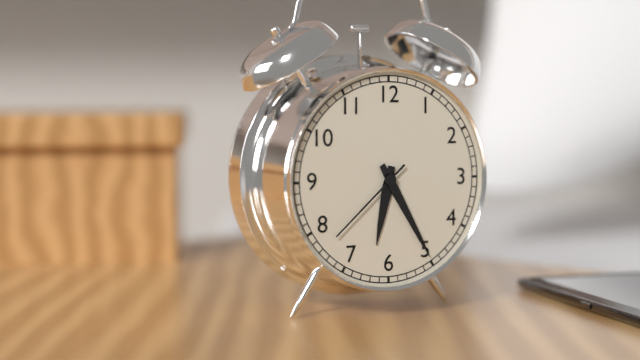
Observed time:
h=6 m=25 s=38
